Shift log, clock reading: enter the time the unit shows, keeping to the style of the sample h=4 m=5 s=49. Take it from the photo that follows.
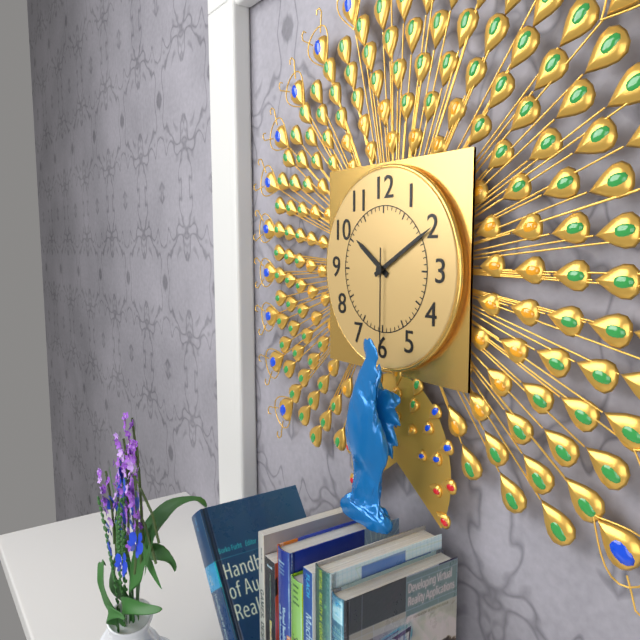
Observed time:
h=10 m=10 s=30
